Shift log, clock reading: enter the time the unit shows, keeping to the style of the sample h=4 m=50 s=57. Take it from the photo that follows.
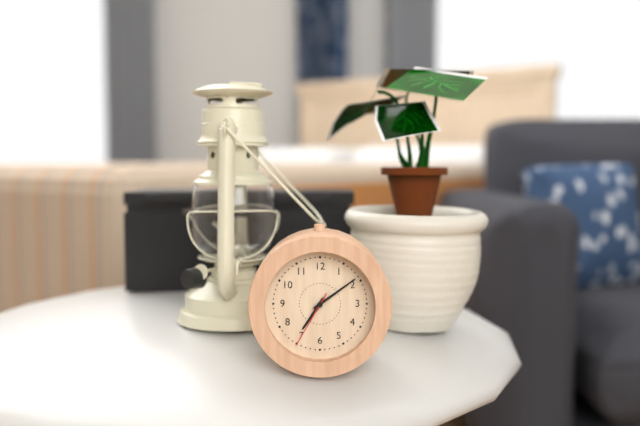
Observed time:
h=7 m=9 s=35
